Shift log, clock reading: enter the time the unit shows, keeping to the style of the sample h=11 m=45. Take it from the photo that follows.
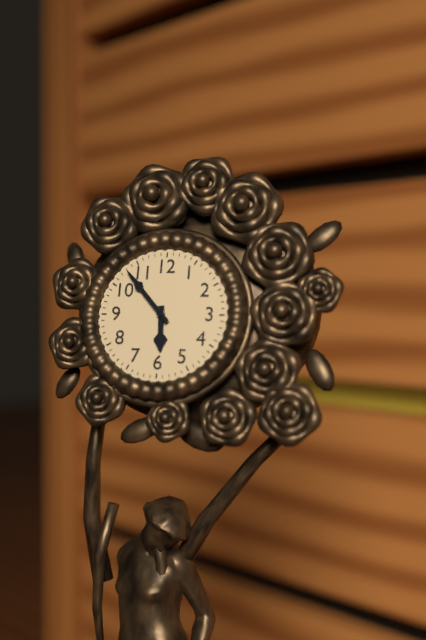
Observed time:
h=5 m=53
